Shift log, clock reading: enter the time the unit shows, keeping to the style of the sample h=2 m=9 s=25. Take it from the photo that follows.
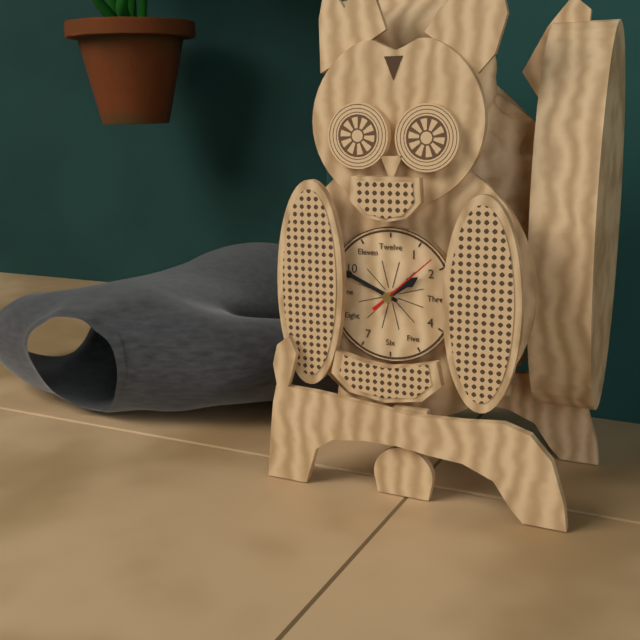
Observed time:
h=1 m=49 s=8
